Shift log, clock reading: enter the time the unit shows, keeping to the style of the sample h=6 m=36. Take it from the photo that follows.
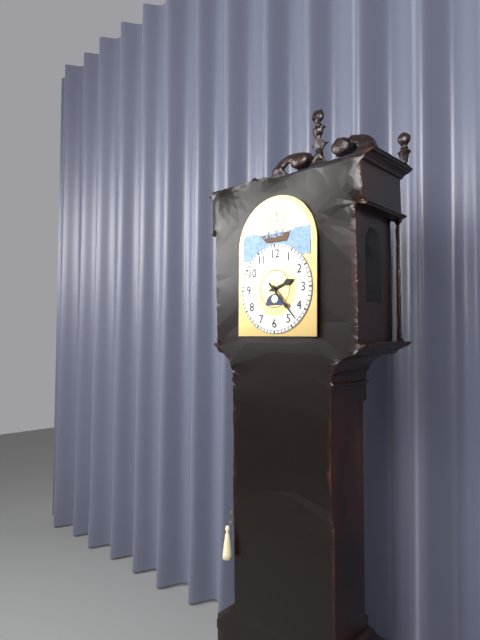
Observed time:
h=2 m=23
